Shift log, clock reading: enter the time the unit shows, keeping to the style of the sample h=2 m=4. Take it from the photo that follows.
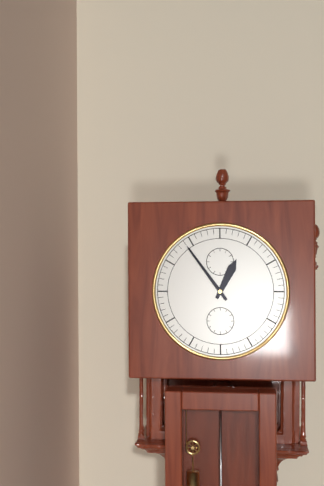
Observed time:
h=12 m=54
